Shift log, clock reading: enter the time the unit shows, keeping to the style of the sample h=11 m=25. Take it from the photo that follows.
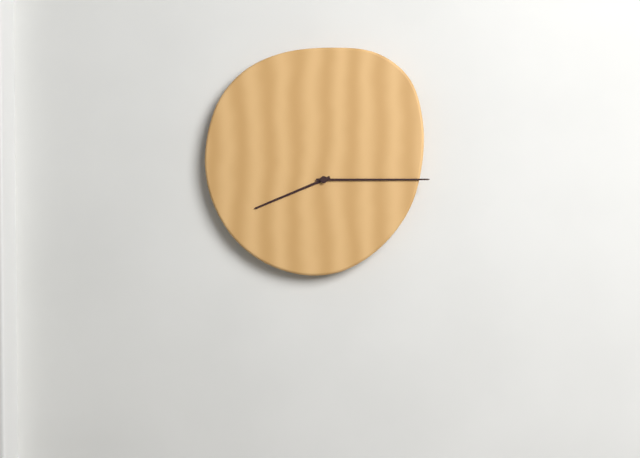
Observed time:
h=8 m=15
